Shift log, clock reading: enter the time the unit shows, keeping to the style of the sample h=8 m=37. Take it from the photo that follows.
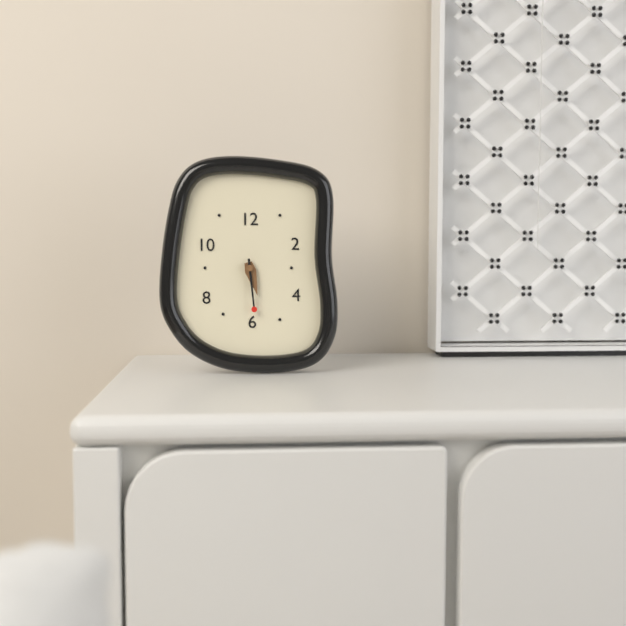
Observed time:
h=5 m=29
